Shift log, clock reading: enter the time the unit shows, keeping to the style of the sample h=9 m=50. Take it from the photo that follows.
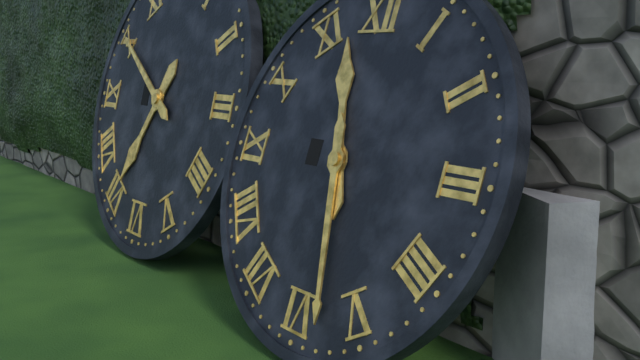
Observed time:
h=11 m=28
